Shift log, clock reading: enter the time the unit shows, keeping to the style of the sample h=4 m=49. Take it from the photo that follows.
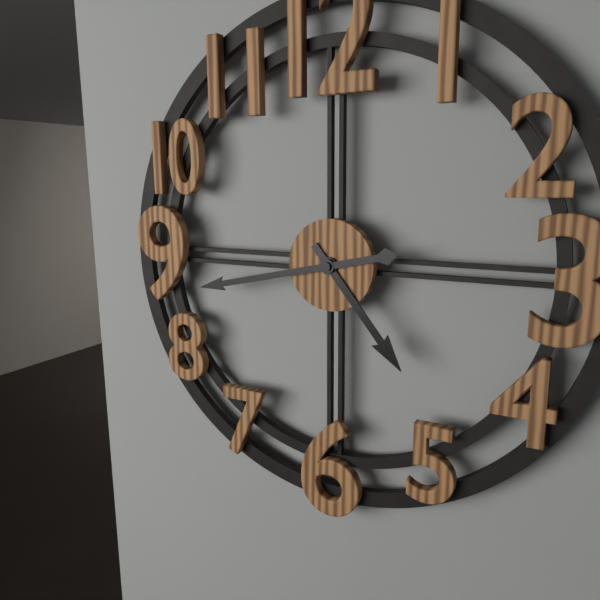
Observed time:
h=4 m=43
